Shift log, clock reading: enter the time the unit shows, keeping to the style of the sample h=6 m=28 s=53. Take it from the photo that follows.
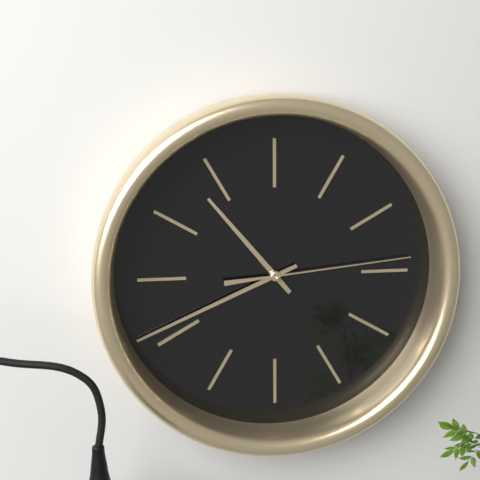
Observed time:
h=10 m=41 s=14
